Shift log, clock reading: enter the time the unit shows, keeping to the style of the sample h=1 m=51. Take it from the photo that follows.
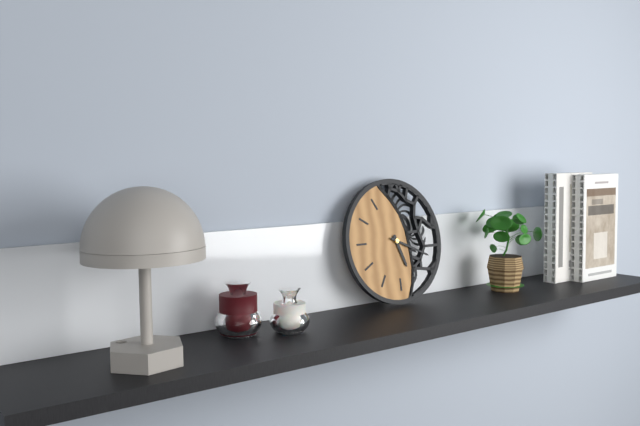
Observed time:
h=5 m=19
